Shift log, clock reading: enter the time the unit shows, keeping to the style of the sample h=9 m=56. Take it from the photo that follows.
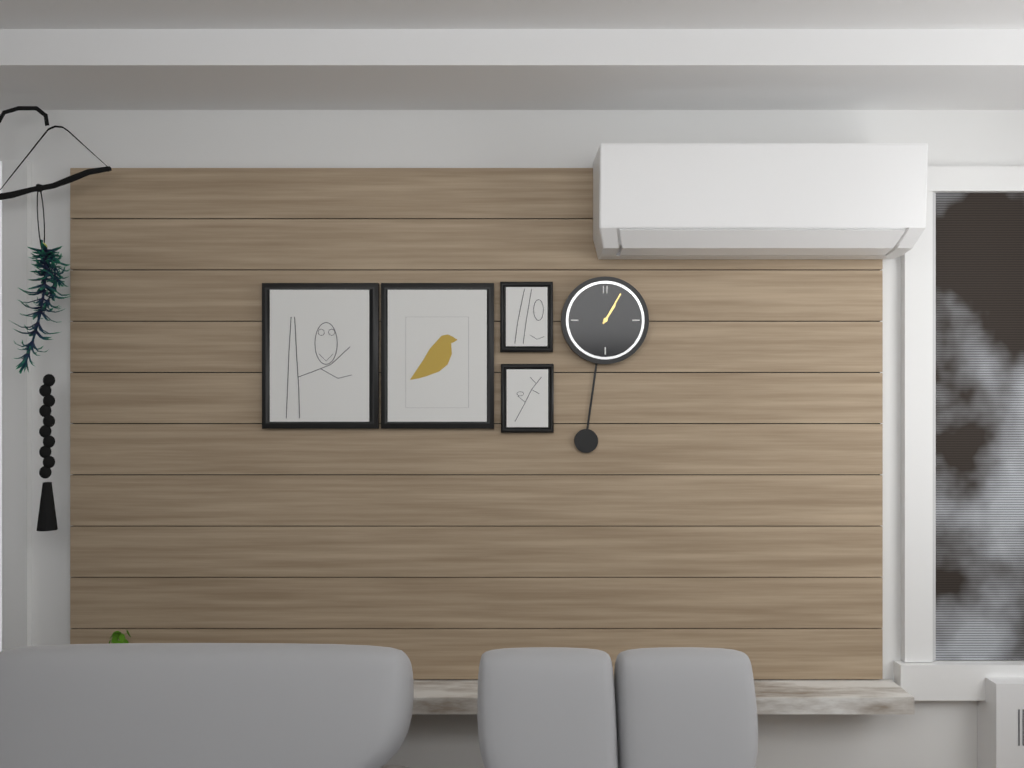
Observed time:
h=1 m=5
